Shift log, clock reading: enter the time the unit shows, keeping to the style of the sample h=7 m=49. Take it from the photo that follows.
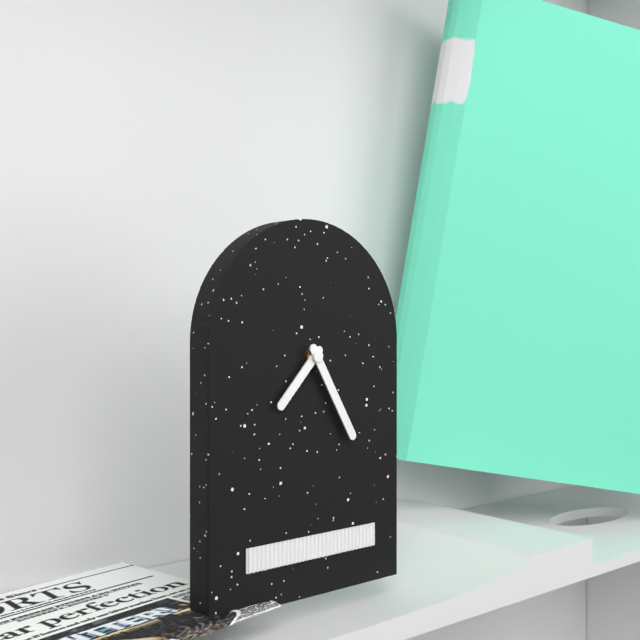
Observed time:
h=7 m=25
